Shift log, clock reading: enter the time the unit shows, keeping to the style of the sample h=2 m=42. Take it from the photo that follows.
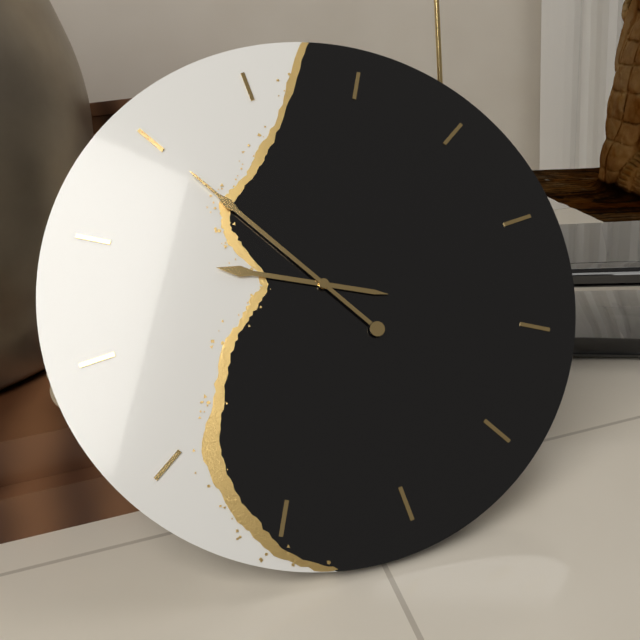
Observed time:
h=9 m=55
